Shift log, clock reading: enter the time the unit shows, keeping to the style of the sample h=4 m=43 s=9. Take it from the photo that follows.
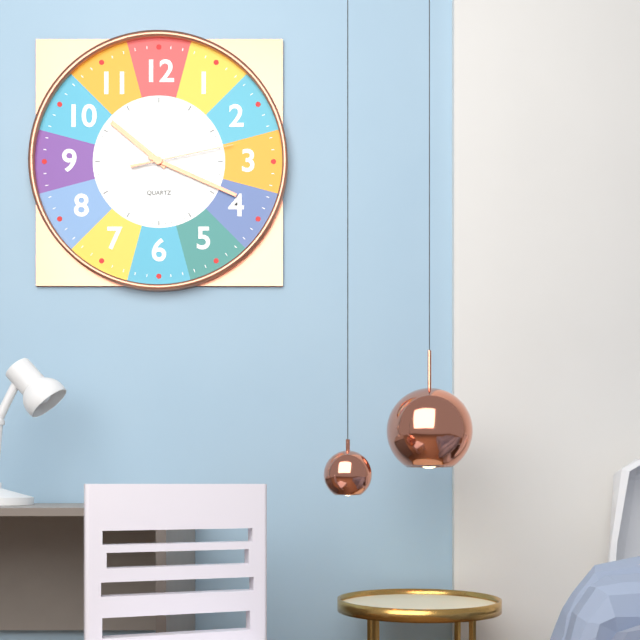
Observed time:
h=10 m=19 s=13
